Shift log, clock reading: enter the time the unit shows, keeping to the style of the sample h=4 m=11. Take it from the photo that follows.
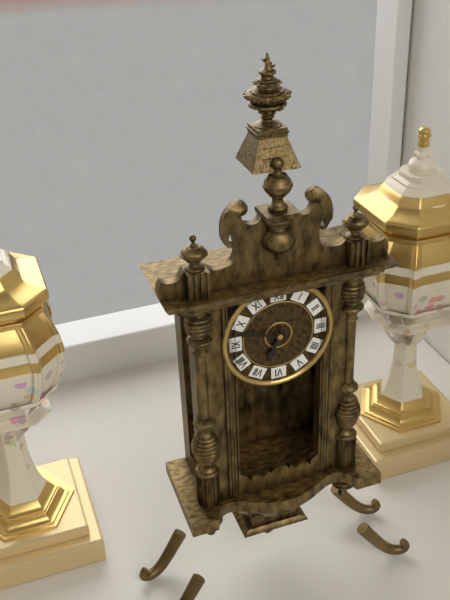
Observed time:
h=6 m=48
